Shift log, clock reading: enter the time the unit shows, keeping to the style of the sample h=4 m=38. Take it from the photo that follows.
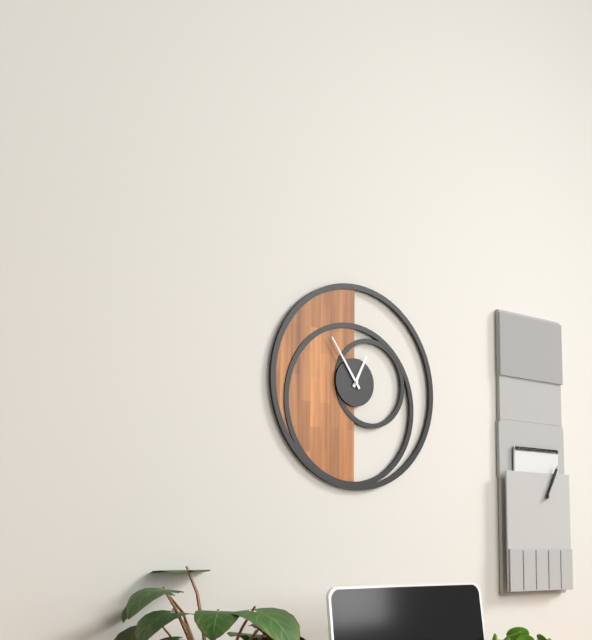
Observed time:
h=12 m=54
